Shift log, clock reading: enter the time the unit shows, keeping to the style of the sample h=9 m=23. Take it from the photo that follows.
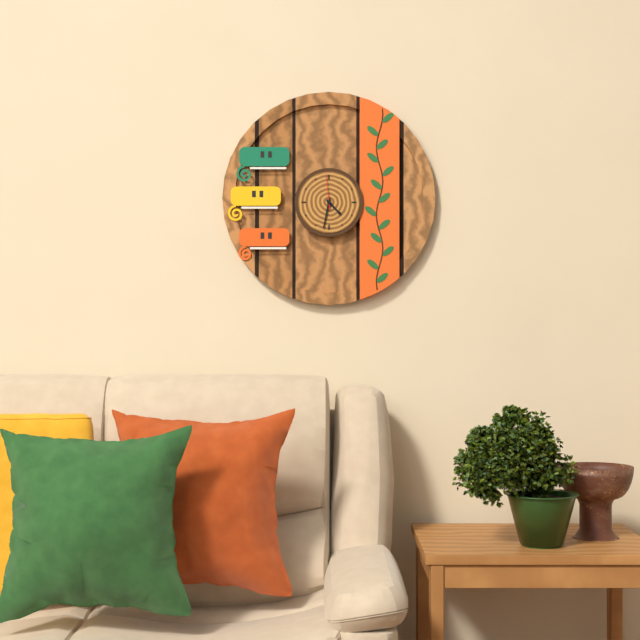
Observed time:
h=4 m=32
